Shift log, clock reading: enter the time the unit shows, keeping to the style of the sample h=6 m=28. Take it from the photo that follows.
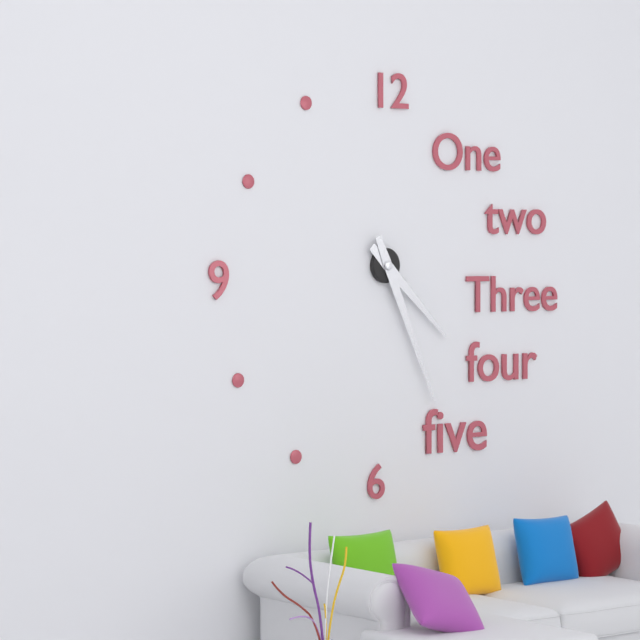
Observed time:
h=4 m=26
